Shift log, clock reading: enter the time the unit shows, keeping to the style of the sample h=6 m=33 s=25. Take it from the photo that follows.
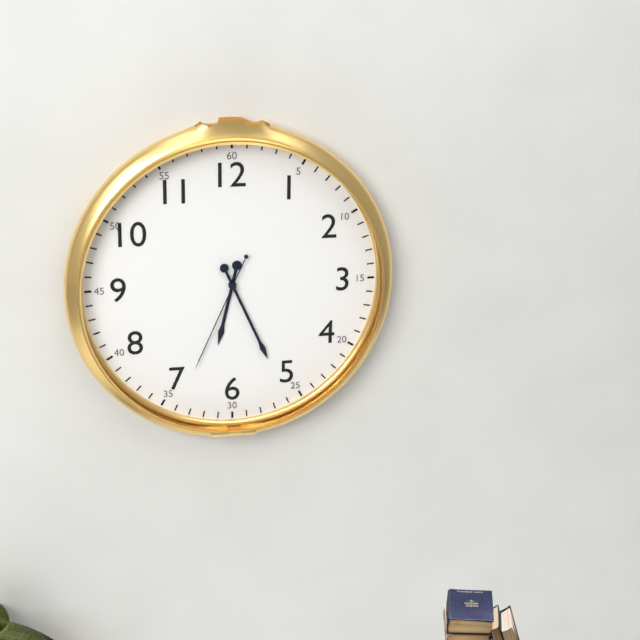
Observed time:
h=6 m=26 s=34
